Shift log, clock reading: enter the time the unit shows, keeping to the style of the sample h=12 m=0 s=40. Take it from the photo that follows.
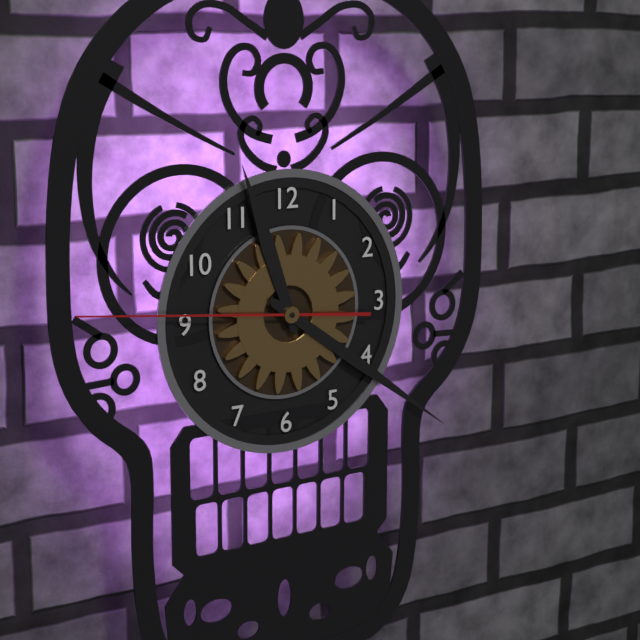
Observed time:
h=11 m=21 s=46
